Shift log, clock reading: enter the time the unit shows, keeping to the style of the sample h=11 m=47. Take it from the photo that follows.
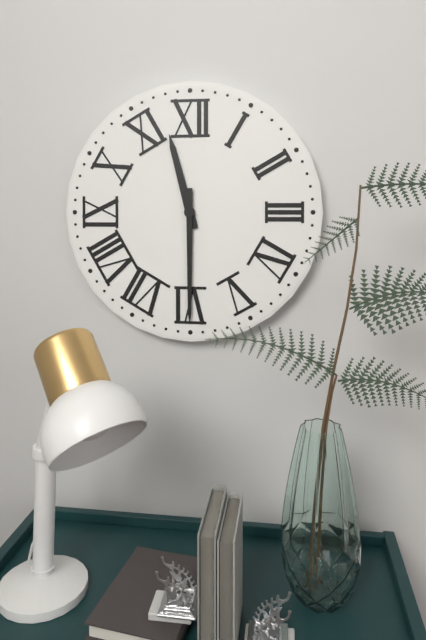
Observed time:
h=11 m=30
